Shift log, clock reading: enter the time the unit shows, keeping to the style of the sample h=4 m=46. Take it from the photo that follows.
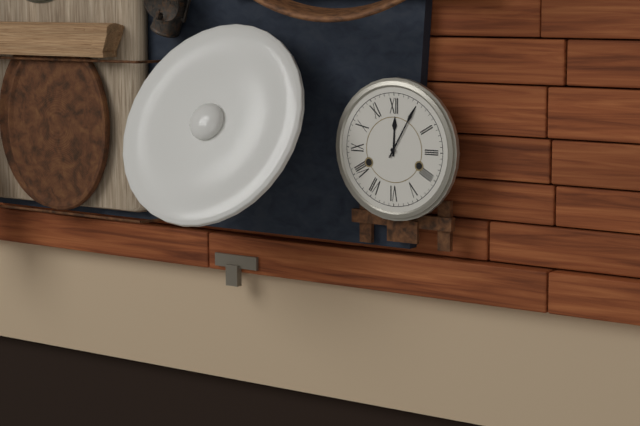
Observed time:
h=12 m=5
